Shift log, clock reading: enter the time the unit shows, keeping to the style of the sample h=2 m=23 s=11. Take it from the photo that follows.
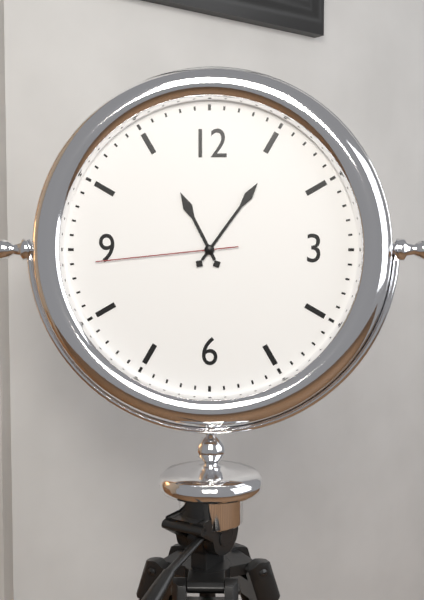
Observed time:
h=11 m=6 s=44
